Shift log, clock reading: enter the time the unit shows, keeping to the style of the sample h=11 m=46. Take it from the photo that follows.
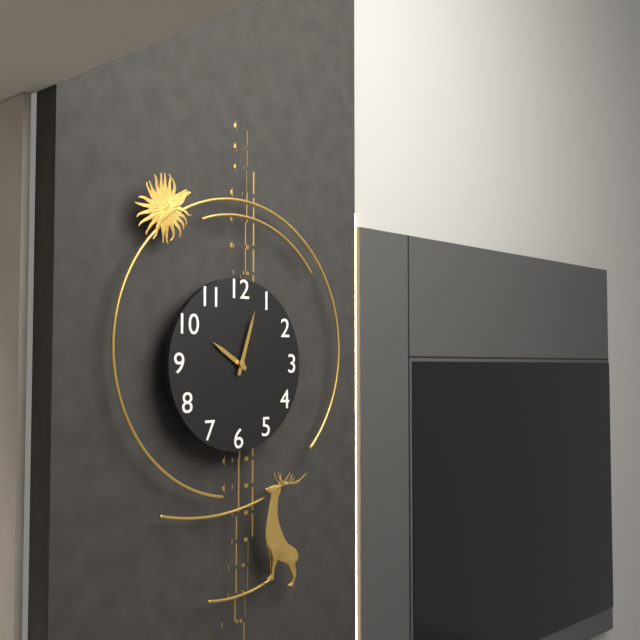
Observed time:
h=10 m=3
